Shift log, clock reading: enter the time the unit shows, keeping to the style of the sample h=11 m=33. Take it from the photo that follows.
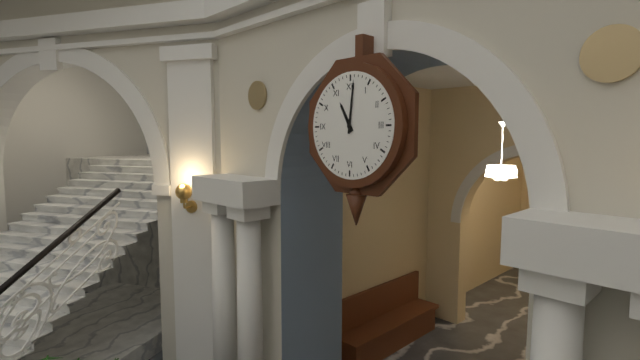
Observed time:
h=11 m=1
